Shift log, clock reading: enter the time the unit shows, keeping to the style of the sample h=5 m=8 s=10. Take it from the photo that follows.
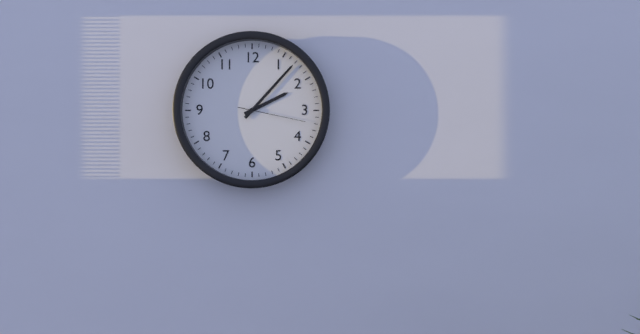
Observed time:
h=2 m=7 s=17
